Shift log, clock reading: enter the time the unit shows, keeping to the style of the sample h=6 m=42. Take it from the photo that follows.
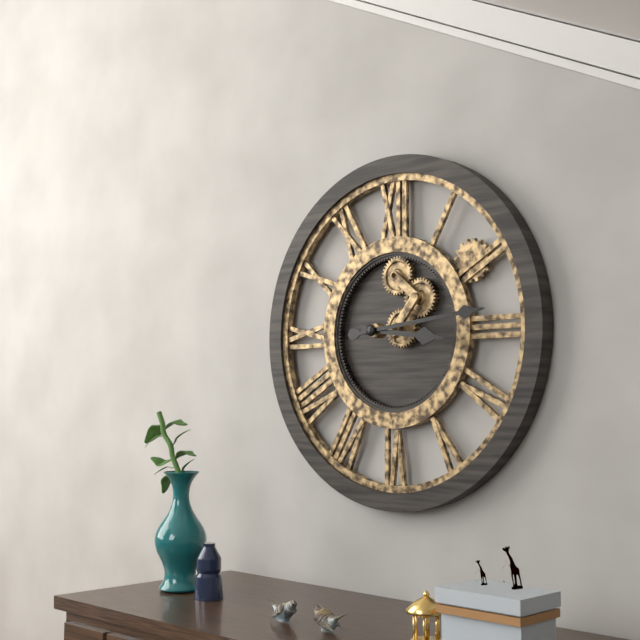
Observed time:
h=3 m=14
